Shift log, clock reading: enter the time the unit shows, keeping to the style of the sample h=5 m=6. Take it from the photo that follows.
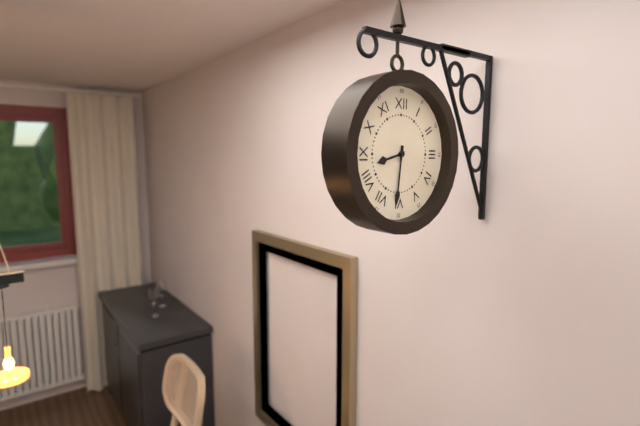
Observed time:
h=8 m=31
